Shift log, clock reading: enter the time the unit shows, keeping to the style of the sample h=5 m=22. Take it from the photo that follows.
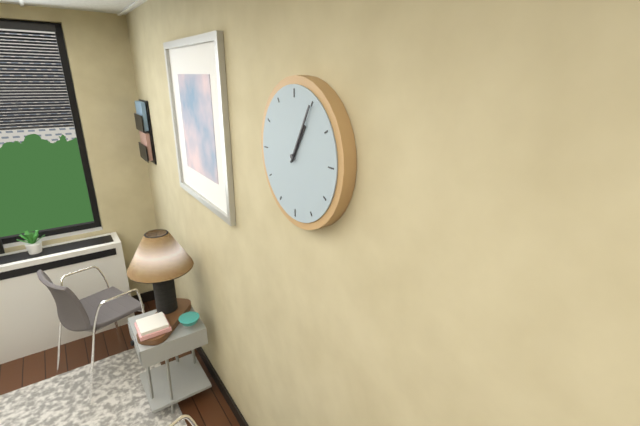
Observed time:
h=1 m=5
